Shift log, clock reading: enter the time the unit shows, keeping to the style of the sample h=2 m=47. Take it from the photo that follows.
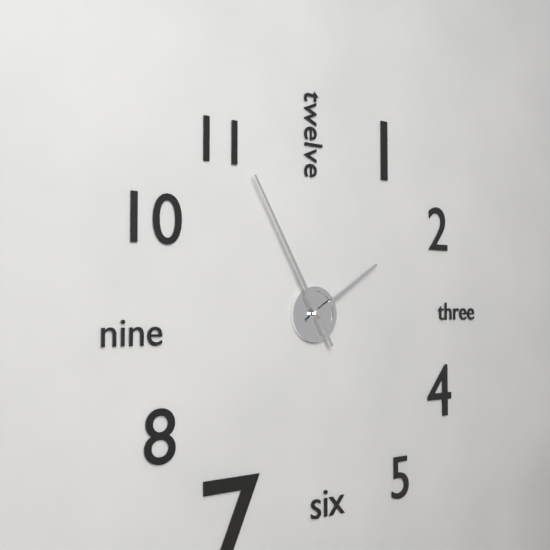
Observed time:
h=1 m=55
